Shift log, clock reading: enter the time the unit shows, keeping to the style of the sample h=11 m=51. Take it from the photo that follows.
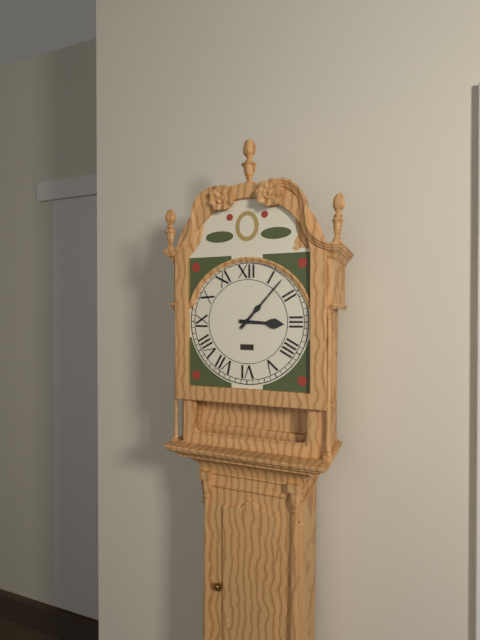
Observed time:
h=3 m=7
